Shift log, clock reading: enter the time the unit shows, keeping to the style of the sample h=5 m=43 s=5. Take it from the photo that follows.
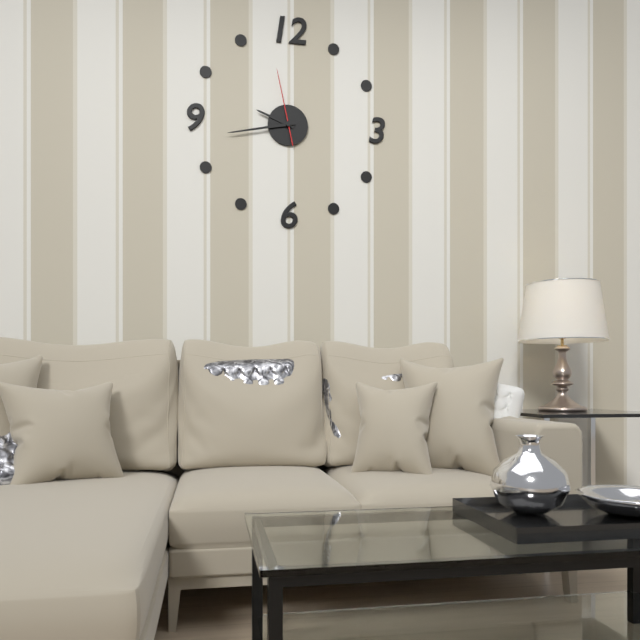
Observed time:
h=9 m=43 s=58
